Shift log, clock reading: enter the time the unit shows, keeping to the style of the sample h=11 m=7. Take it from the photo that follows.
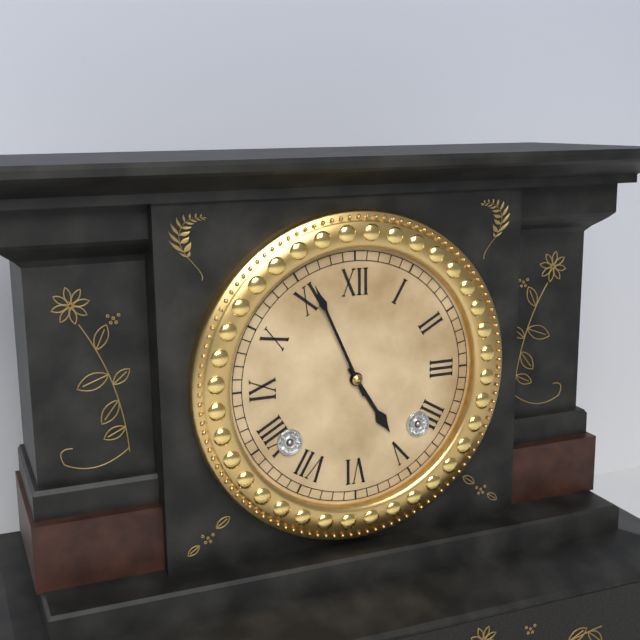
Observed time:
h=4 m=56
